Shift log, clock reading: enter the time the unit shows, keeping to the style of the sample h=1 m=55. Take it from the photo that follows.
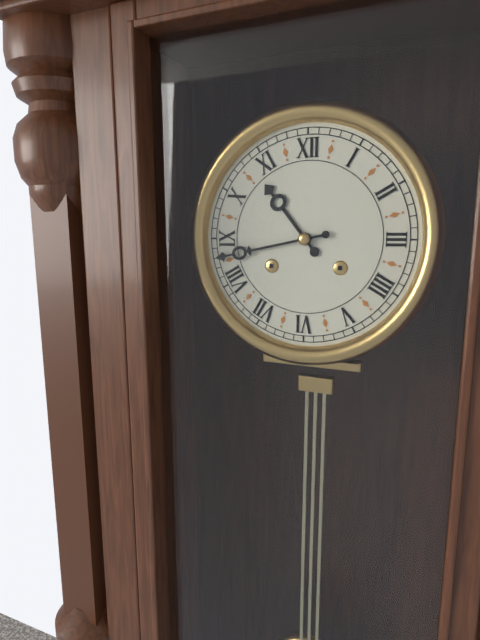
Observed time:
h=10 m=43
